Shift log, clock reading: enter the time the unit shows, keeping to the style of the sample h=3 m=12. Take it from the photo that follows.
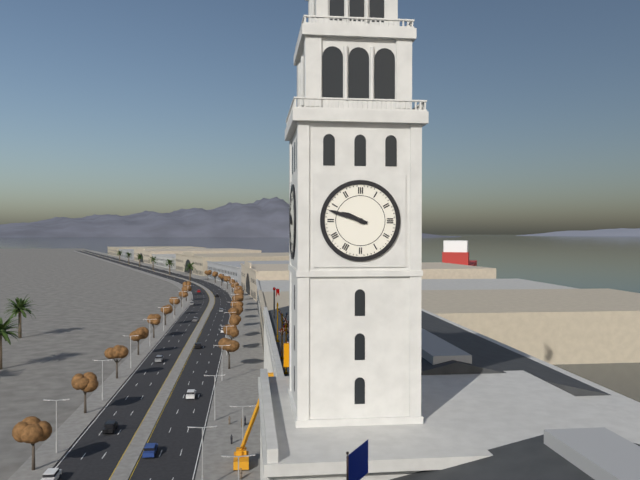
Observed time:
h=9 m=48
